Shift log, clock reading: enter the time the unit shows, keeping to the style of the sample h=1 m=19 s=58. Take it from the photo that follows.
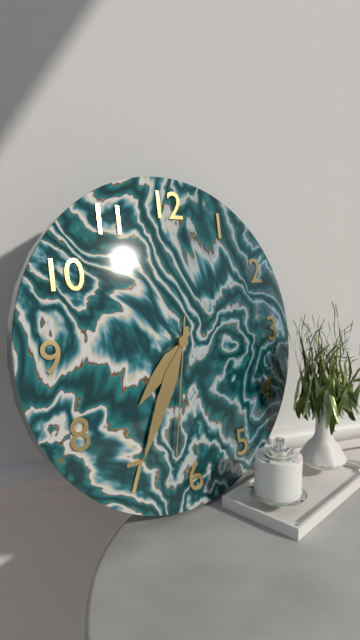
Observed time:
h=7 m=35 s=32
